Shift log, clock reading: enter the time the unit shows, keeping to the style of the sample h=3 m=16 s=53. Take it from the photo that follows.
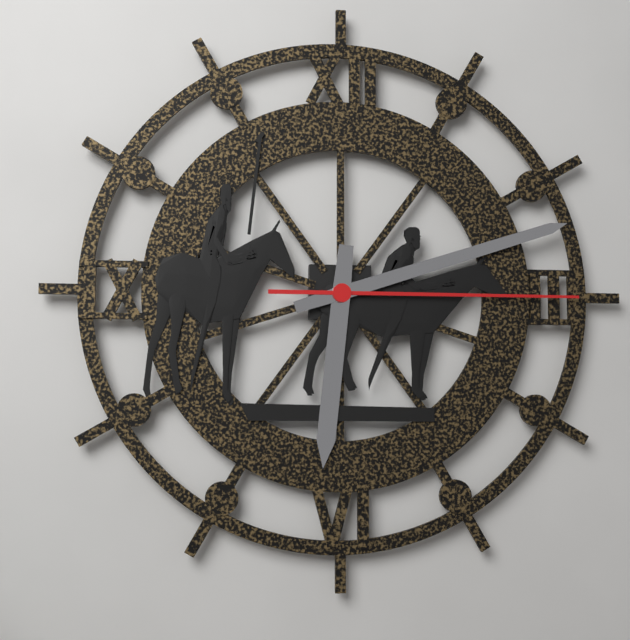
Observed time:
h=6 m=12 s=15
